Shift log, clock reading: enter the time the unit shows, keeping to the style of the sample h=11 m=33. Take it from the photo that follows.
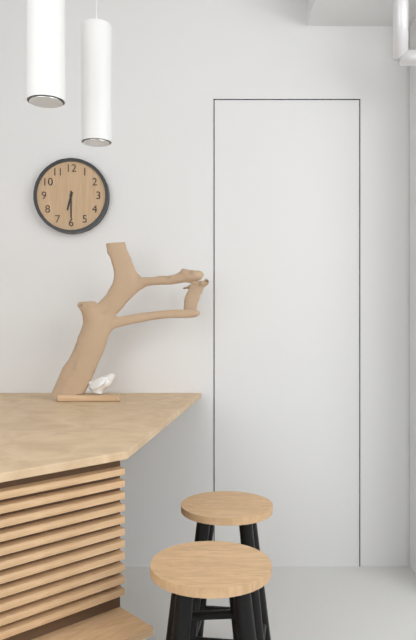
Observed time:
h=6 m=30
